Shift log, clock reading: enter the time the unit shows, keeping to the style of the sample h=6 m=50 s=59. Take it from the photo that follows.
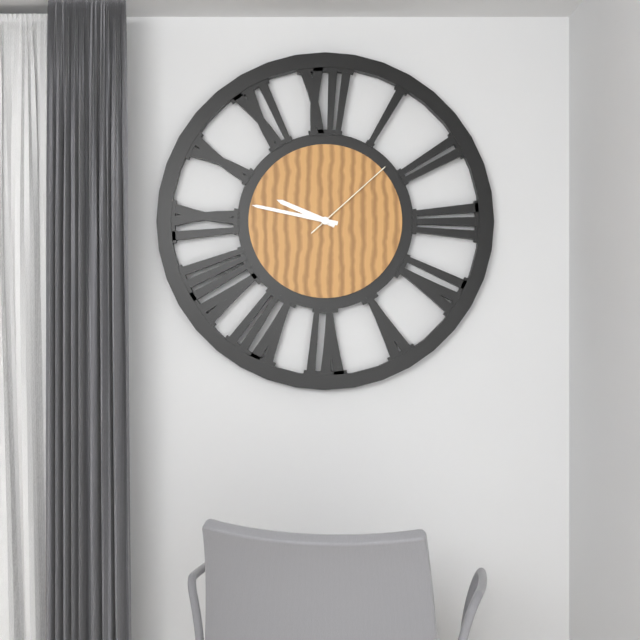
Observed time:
h=9 m=47 s=8
